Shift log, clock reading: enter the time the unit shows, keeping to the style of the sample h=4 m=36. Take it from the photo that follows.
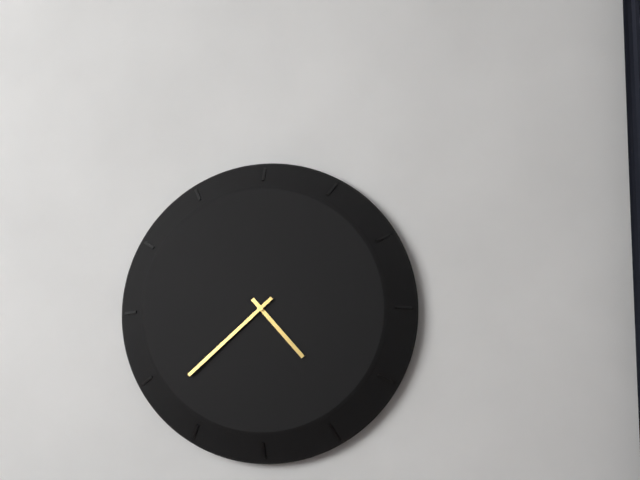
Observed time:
h=4 m=38
